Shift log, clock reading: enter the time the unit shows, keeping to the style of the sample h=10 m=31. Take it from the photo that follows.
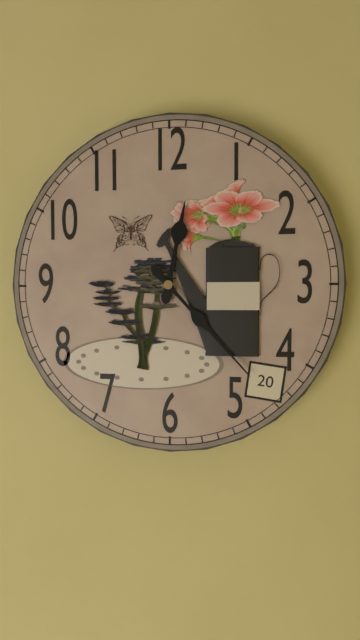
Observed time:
h=12 m=23
